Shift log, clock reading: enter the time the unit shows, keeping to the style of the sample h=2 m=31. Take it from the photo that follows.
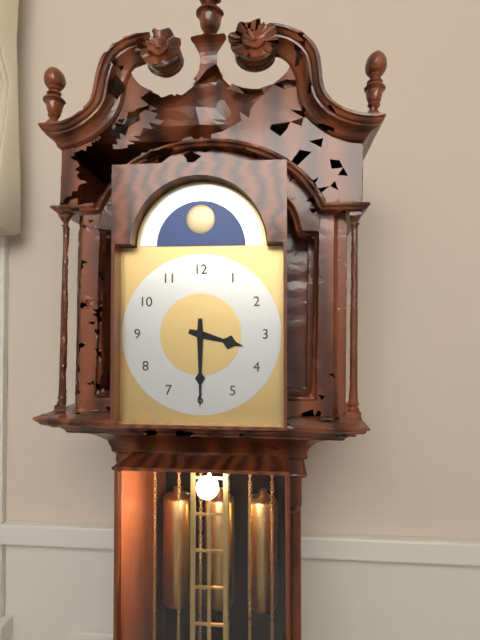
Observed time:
h=3 m=30
